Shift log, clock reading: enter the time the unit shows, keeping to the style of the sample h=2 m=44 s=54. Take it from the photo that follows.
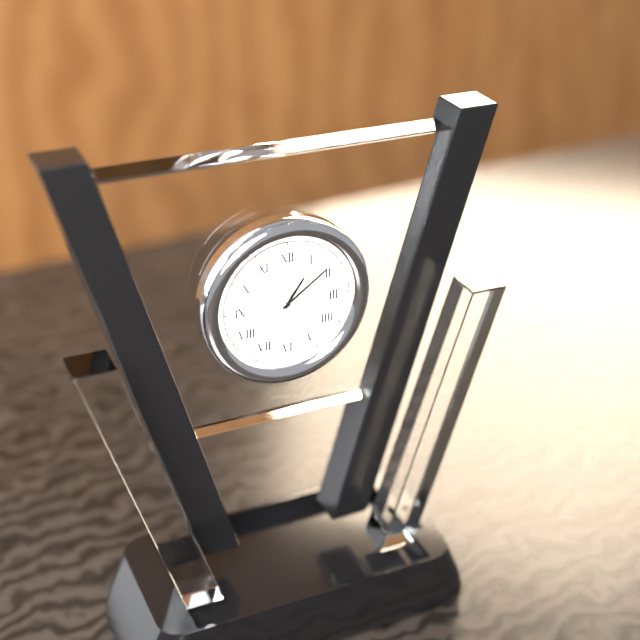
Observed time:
h=1 m=9 s=3
